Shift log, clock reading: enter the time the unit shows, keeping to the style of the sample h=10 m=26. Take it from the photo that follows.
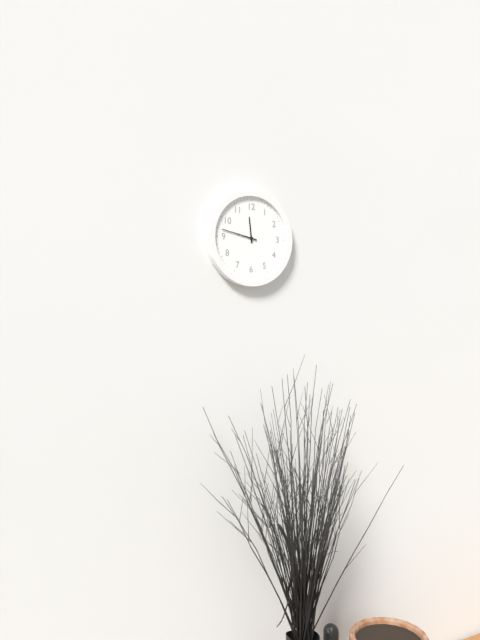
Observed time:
h=11 m=47
